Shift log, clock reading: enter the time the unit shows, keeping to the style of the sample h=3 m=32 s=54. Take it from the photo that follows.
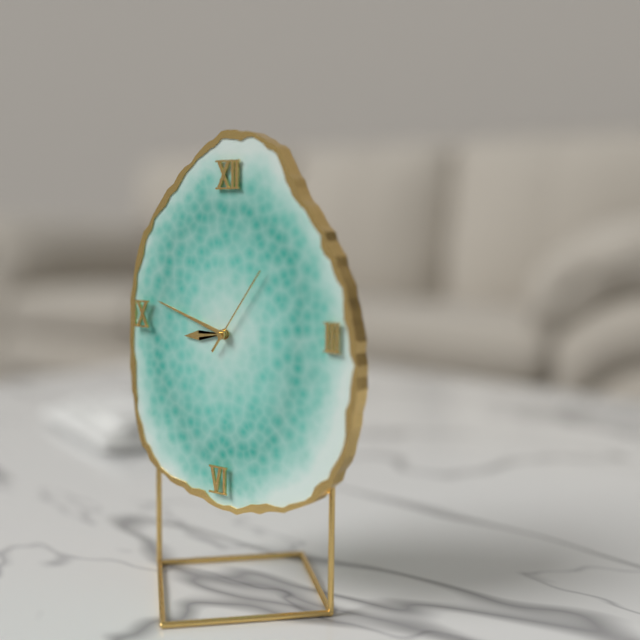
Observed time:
h=8 m=48 s=6
